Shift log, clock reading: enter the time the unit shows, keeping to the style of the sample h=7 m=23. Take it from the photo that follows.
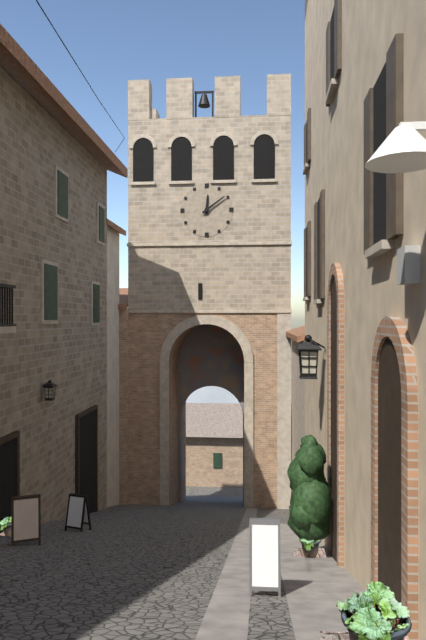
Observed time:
h=12 m=9
